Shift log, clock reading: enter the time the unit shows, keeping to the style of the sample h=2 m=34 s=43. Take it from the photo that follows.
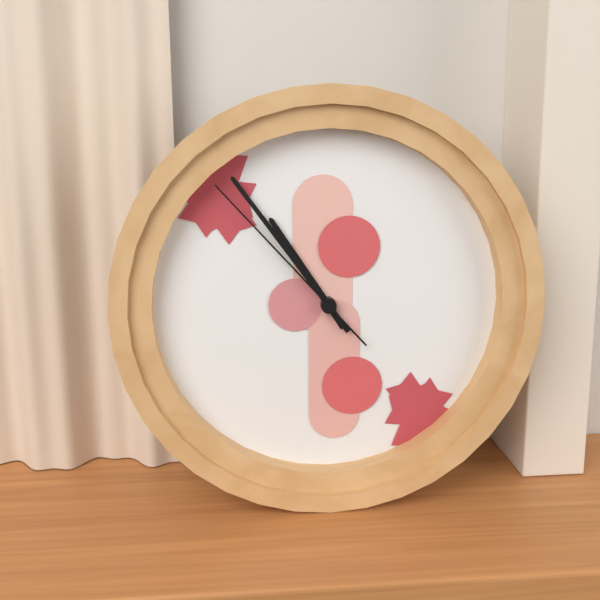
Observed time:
h=10 m=54 s=53
